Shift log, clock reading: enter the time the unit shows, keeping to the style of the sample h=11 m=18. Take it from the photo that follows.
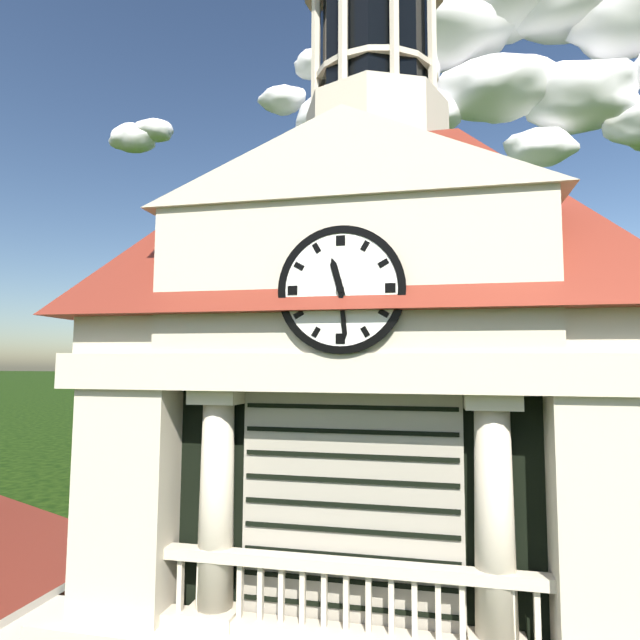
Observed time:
h=11 m=29
